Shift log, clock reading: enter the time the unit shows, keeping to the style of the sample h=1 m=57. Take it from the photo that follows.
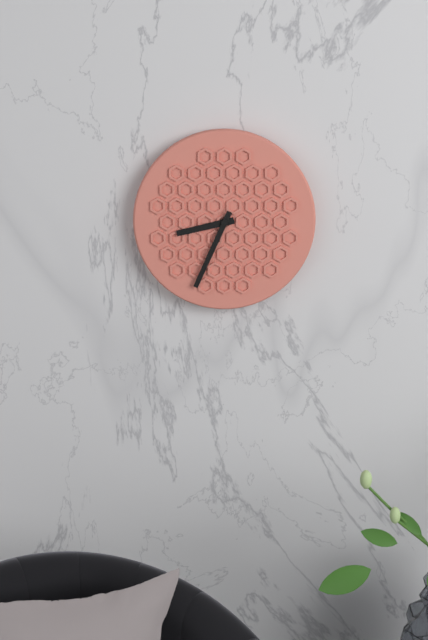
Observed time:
h=8 m=34
